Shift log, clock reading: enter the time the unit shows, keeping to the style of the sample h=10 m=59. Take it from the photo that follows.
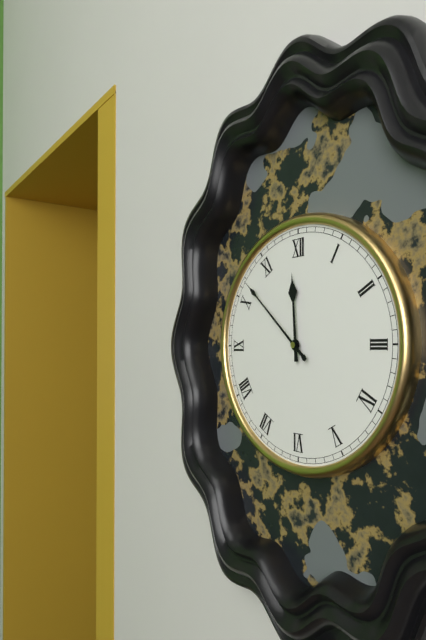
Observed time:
h=11 m=52
